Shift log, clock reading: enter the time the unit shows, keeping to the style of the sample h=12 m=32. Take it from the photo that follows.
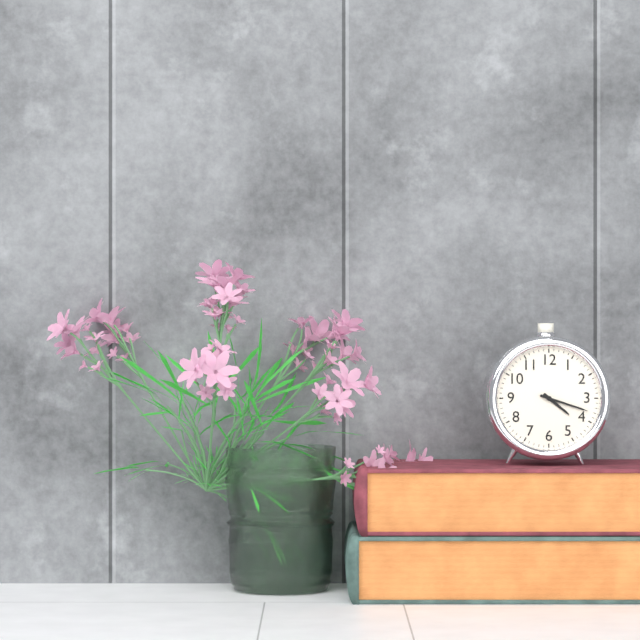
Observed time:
h=4 m=18
